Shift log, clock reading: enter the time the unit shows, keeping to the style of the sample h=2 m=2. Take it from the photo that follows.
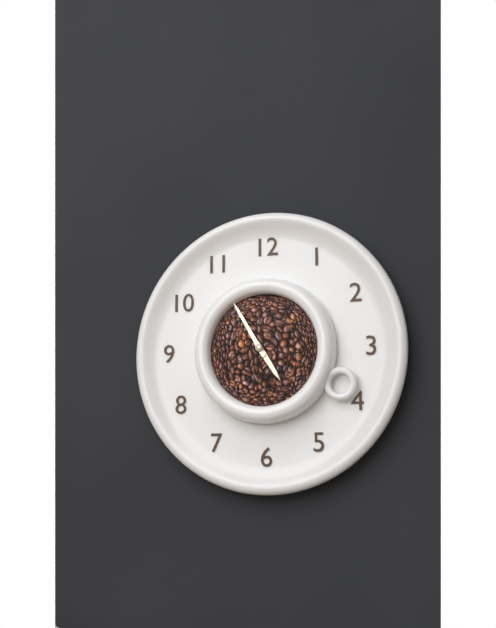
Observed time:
h=4 m=55
